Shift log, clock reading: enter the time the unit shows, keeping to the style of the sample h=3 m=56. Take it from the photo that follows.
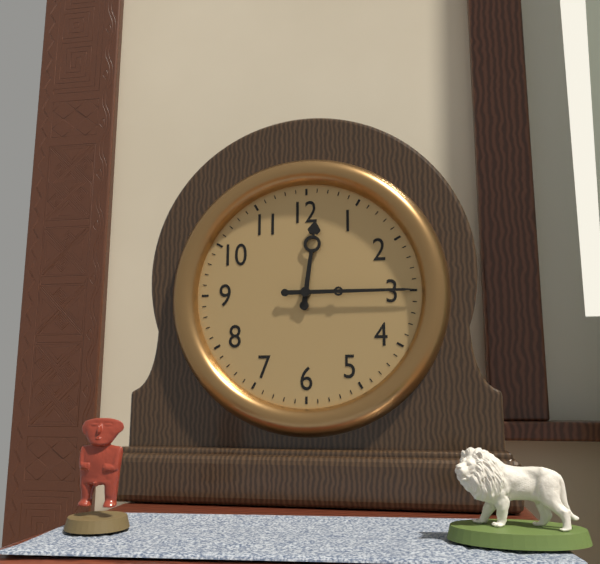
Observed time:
h=12 m=15
